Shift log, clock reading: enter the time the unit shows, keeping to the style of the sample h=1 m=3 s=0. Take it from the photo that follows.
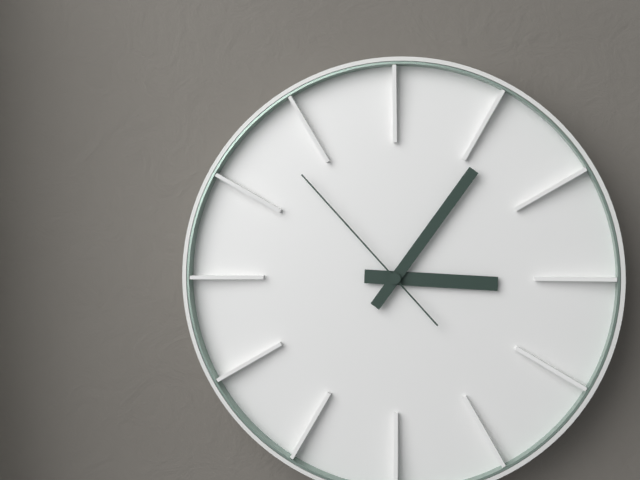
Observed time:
h=3 m=6 s=53
